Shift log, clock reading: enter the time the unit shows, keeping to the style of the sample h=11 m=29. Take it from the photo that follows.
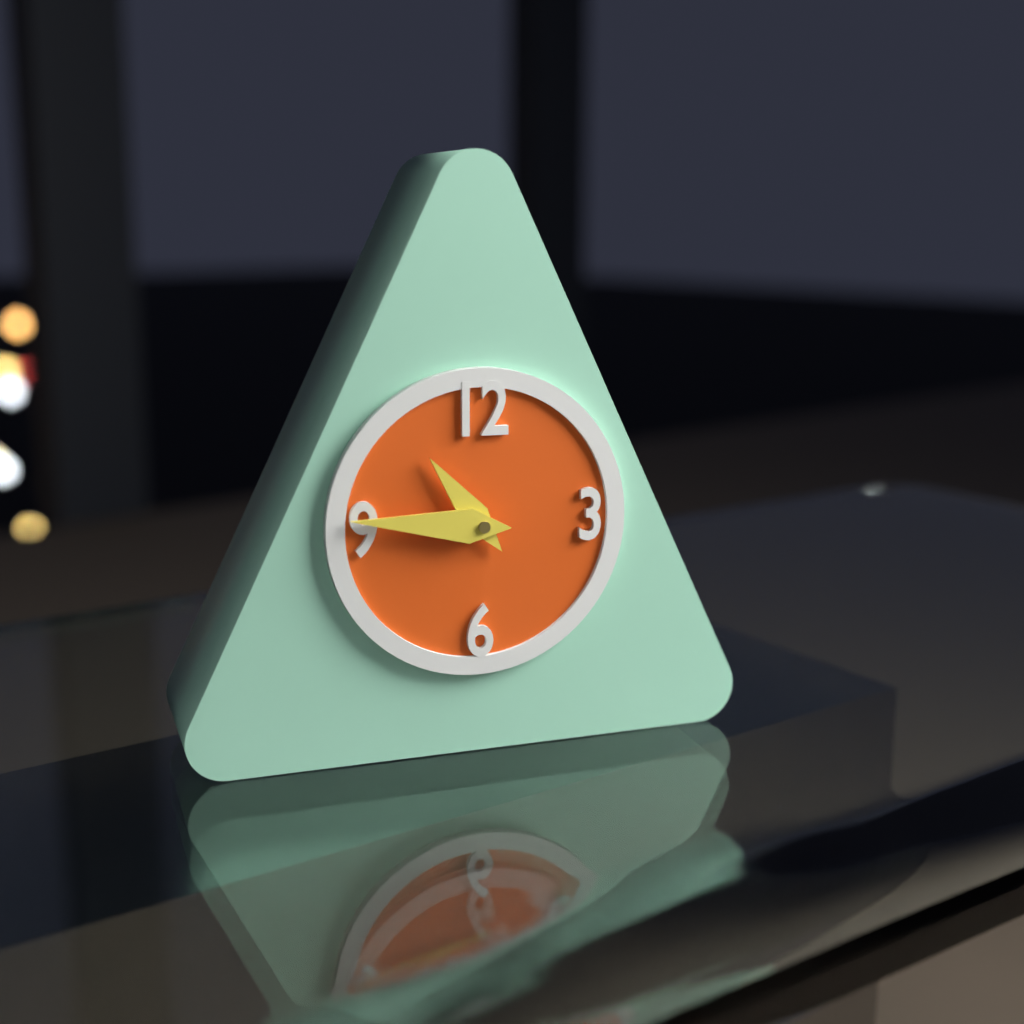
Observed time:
h=10 m=46
